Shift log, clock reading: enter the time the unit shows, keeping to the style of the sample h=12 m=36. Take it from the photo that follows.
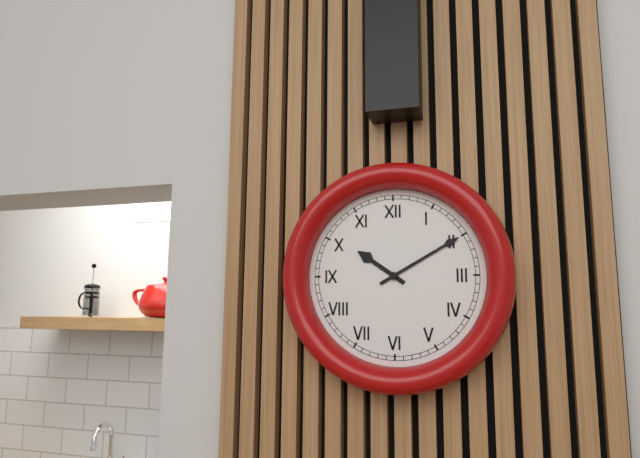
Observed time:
h=10 m=10
